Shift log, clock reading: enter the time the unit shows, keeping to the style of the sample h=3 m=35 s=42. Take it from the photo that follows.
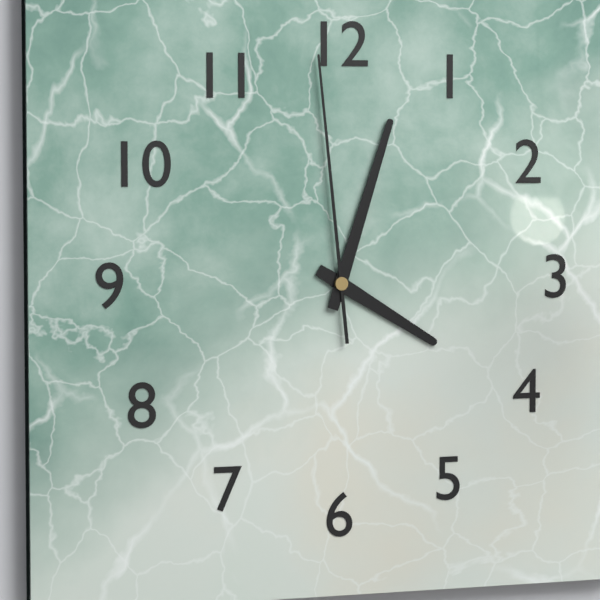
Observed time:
h=4 m=3 s=59
